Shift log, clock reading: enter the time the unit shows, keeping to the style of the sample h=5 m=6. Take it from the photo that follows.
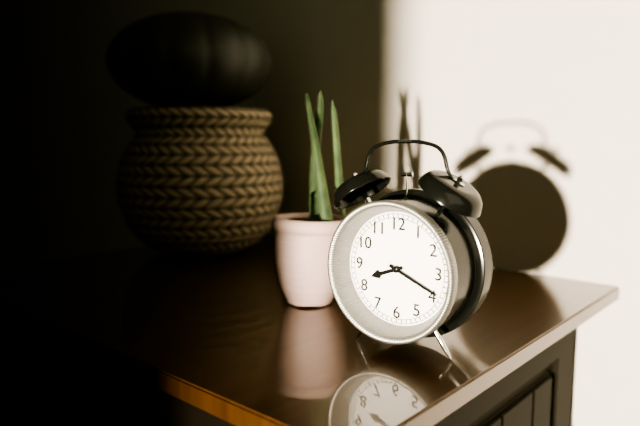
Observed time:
h=8 m=19
